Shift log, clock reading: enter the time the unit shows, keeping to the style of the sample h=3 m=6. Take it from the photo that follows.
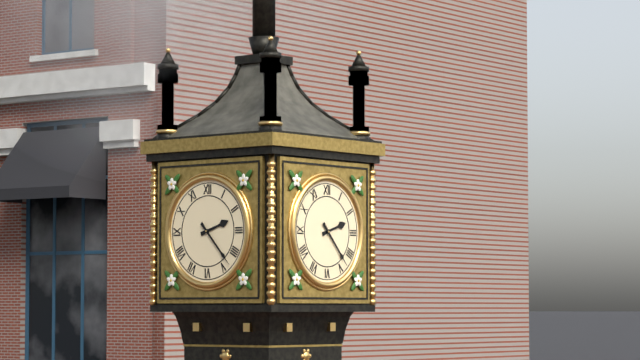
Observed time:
h=2 m=23
